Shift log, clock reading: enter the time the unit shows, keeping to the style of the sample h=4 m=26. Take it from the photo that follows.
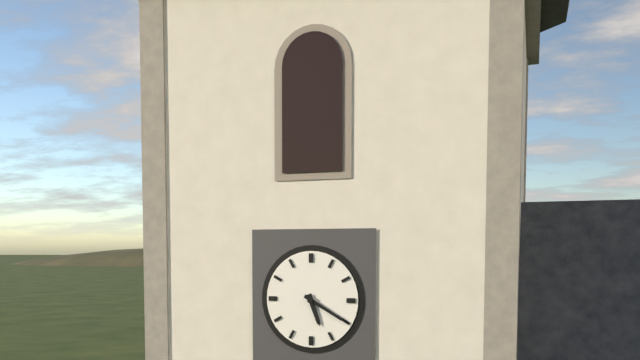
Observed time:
h=5 m=20
